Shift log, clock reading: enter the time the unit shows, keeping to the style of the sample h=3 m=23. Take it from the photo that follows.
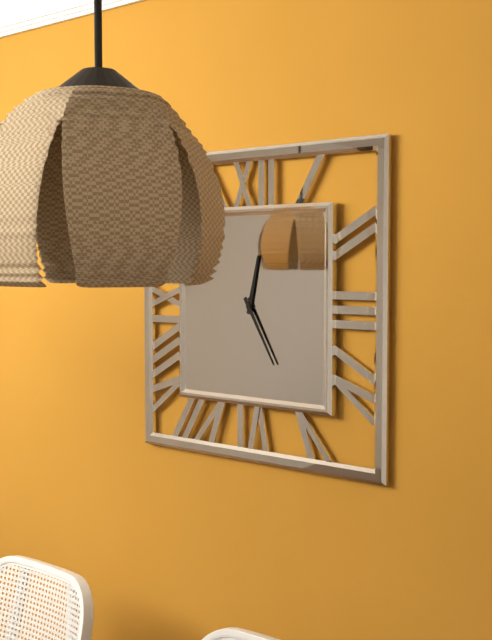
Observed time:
h=12 m=25
